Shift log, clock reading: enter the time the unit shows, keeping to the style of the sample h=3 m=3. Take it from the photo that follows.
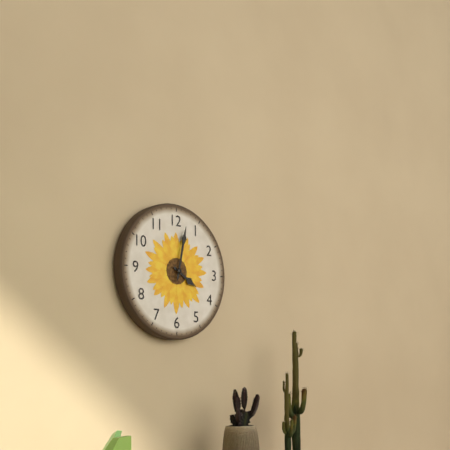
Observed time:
h=4 m=2
